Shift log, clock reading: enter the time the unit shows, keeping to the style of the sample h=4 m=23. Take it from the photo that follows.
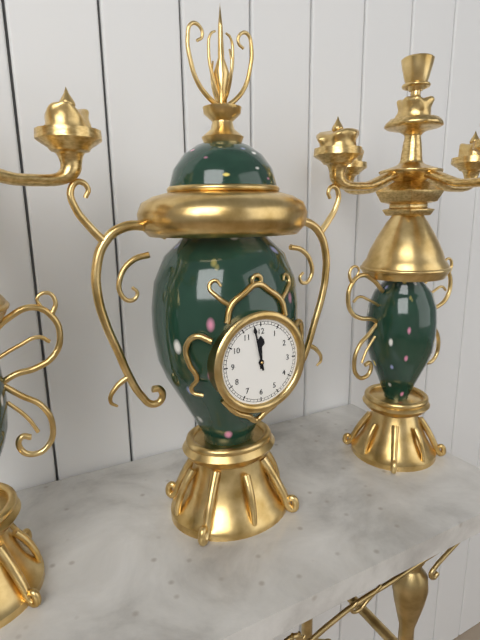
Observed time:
h=11 m=58
